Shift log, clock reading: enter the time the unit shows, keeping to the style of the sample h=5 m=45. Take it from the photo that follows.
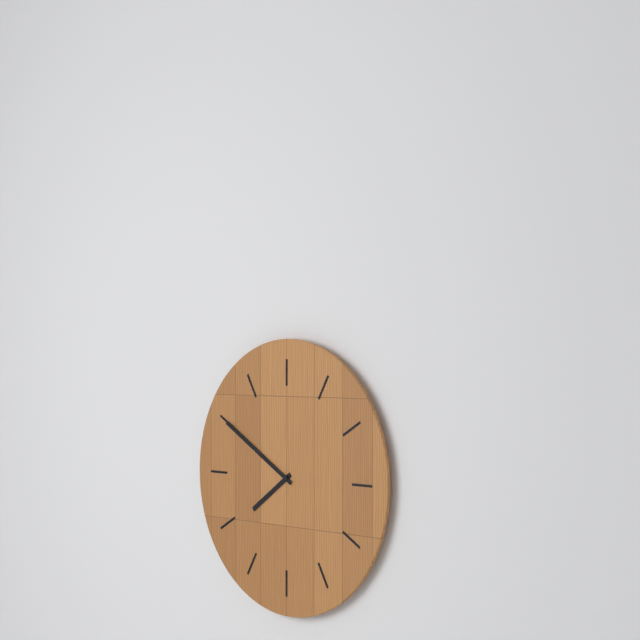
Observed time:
h=7 m=50
